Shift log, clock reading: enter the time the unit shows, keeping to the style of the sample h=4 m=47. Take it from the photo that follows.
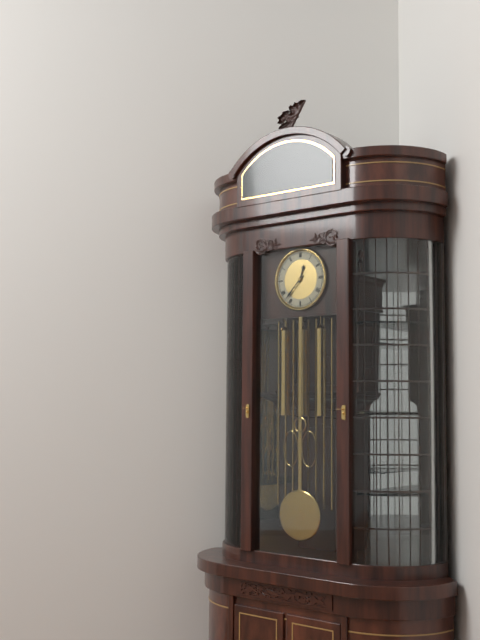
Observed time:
h=12 m=37
